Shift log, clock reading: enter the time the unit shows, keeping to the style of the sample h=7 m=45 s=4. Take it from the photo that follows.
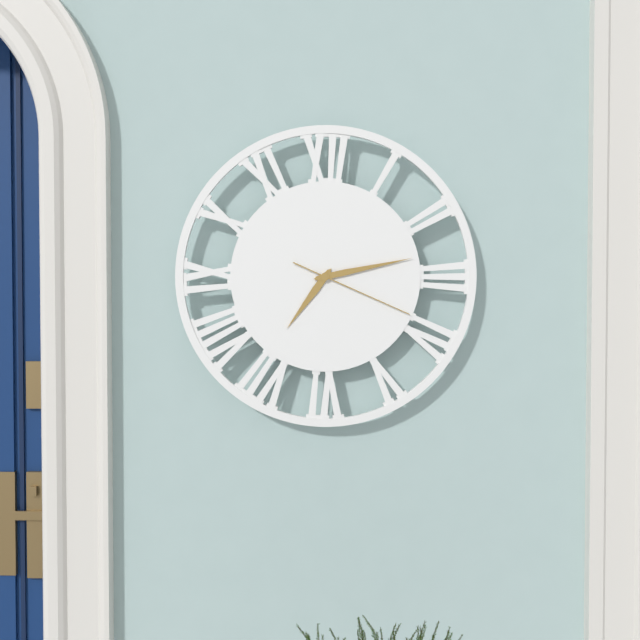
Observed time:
h=7 m=13 s=19
